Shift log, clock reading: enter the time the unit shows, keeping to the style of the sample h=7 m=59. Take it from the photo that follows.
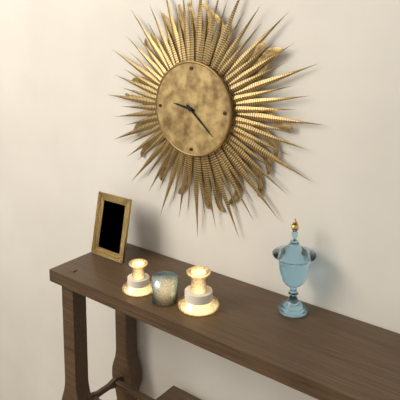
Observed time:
h=9 m=22
